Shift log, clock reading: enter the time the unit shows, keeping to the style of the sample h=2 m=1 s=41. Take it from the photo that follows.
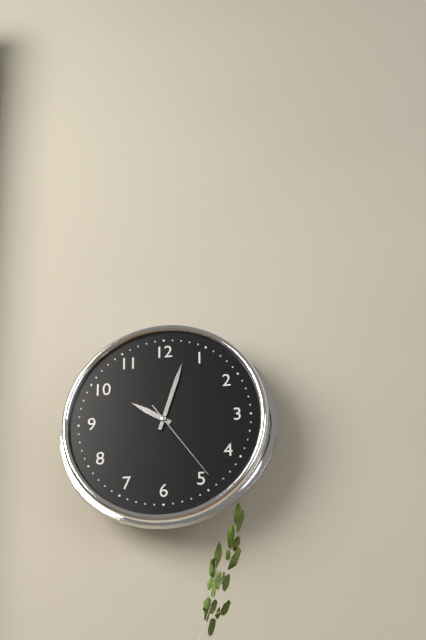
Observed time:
h=10 m=3 s=24
